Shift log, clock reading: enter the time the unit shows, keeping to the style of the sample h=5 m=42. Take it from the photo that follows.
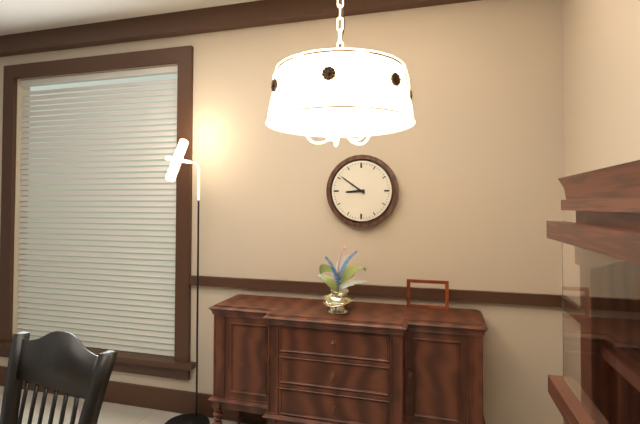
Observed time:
h=8 m=51
